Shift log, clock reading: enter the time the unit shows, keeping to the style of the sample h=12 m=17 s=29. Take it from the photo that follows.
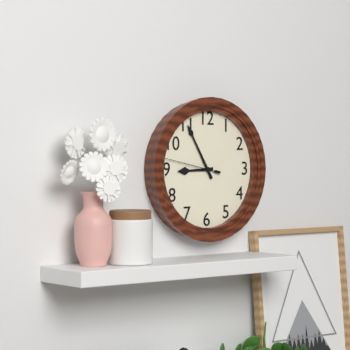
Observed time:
h=8 m=55 s=47
